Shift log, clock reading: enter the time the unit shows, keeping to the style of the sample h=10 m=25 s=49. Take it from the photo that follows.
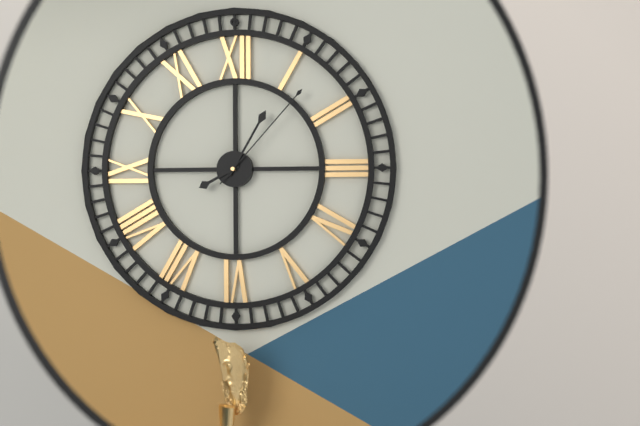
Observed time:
h=8 m=5 s=7
